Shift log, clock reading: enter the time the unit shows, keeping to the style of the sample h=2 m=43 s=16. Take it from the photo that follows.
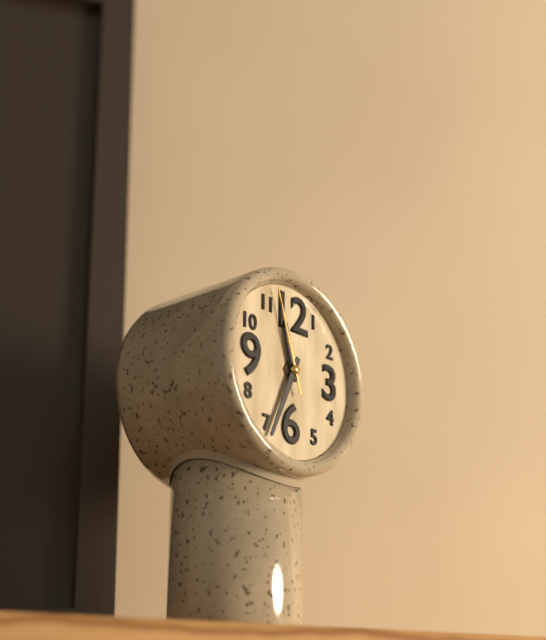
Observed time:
h=11 m=34 s=57
